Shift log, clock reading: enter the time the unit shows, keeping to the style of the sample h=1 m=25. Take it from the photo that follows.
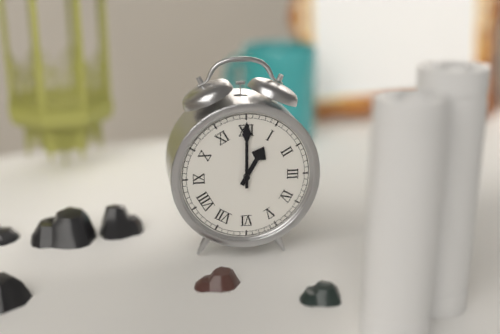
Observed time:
h=1 m=0
